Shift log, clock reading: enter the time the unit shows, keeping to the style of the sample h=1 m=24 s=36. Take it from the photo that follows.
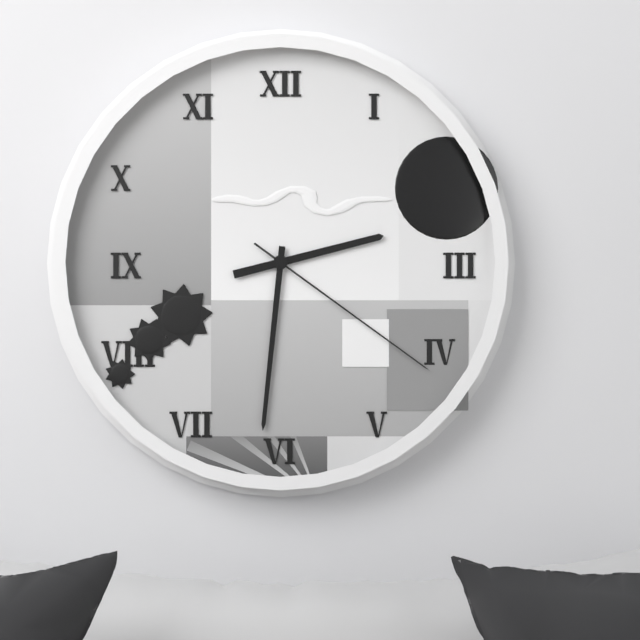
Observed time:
h=2 m=31 s=21
